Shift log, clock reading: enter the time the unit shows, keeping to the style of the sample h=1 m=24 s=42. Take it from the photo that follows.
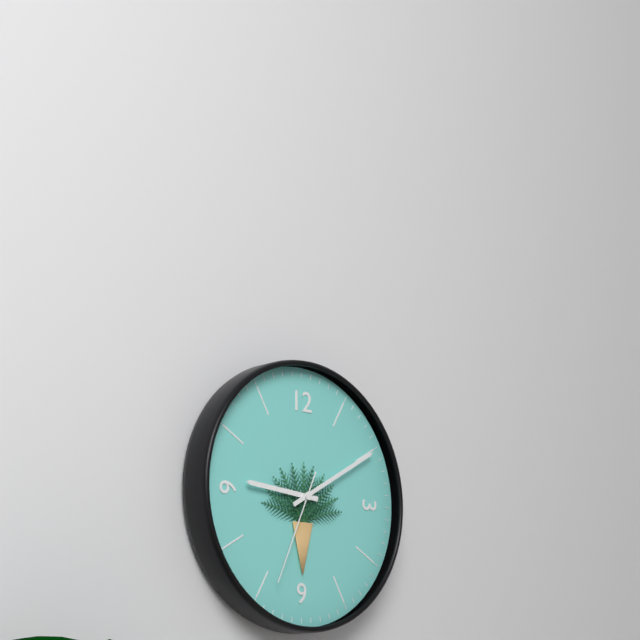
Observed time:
h=9 m=10 s=34
